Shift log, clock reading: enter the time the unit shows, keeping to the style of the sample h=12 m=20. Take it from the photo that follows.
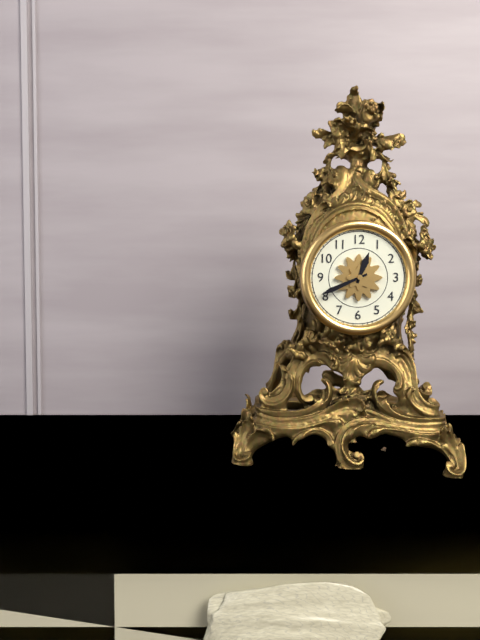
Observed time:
h=12 m=41
